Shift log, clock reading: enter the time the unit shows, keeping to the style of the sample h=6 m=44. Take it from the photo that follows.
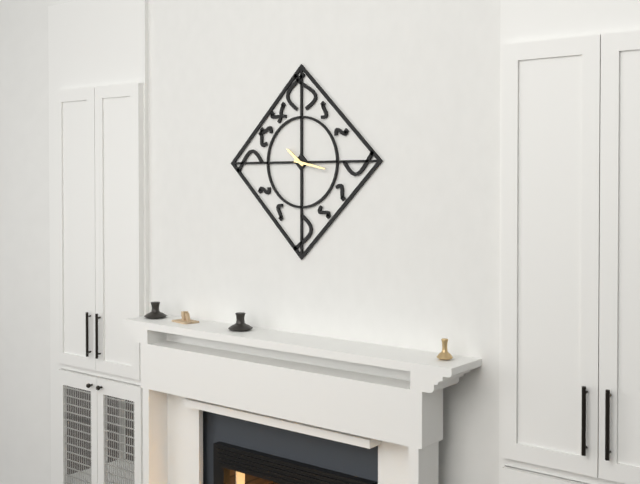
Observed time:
h=10 m=17
